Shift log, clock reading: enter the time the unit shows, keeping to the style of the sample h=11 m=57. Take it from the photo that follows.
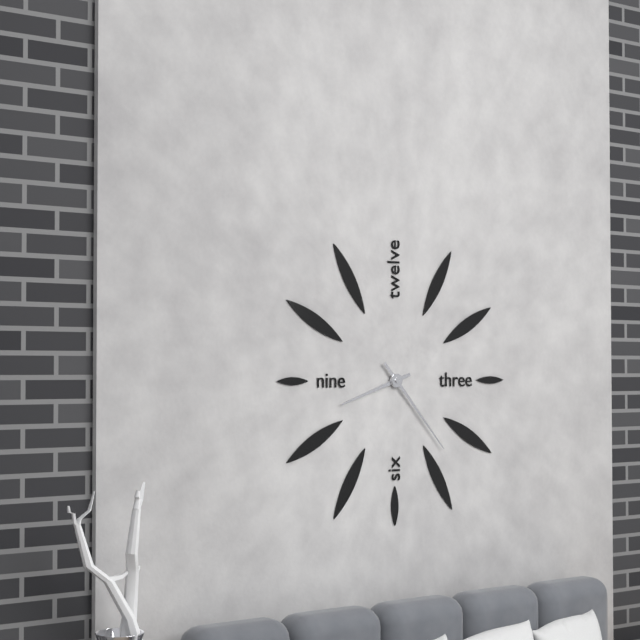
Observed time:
h=8 m=23
